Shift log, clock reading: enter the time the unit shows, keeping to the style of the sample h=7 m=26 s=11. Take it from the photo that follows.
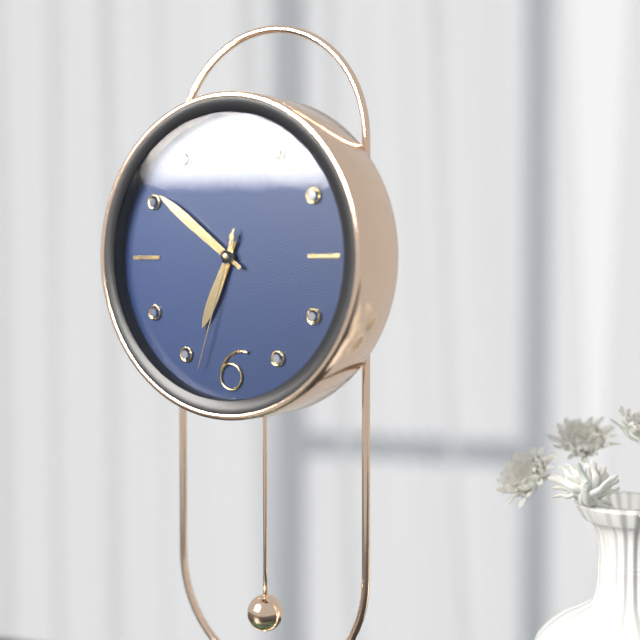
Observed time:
h=6 m=51 s=33
